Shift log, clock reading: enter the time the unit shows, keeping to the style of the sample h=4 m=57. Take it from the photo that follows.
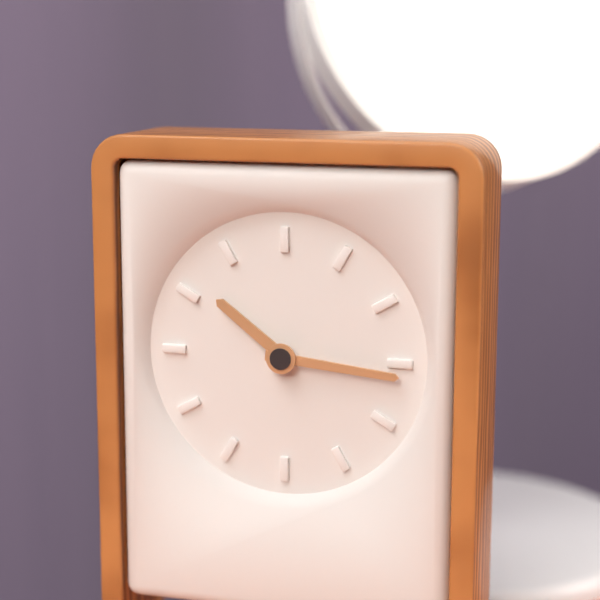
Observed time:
h=10 m=16
